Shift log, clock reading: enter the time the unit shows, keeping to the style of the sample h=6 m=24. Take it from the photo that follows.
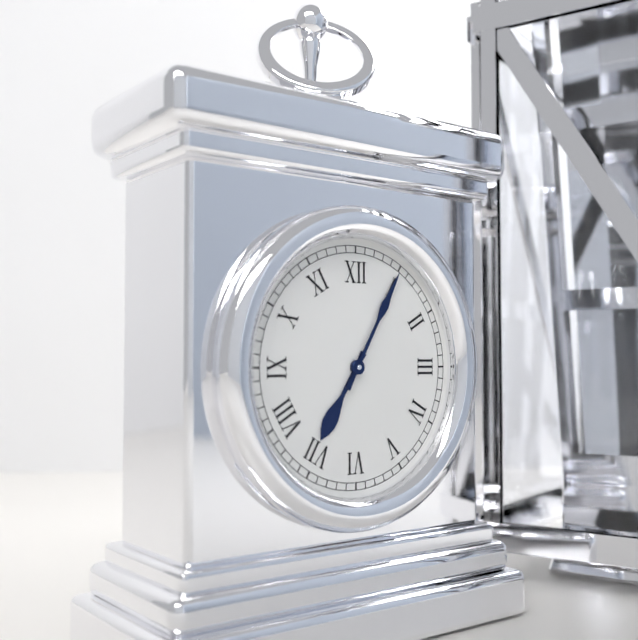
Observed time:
h=7 m=5
